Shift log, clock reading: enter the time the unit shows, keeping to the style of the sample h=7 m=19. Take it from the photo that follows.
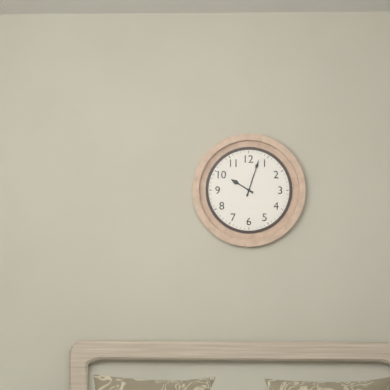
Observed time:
h=10 m=3
